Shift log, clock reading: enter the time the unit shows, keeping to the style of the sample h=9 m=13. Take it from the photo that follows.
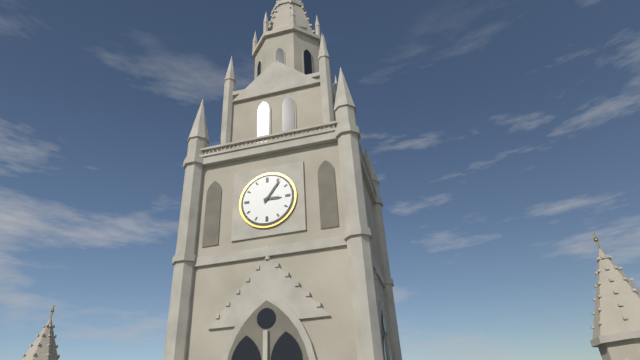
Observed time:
h=3 m=6
